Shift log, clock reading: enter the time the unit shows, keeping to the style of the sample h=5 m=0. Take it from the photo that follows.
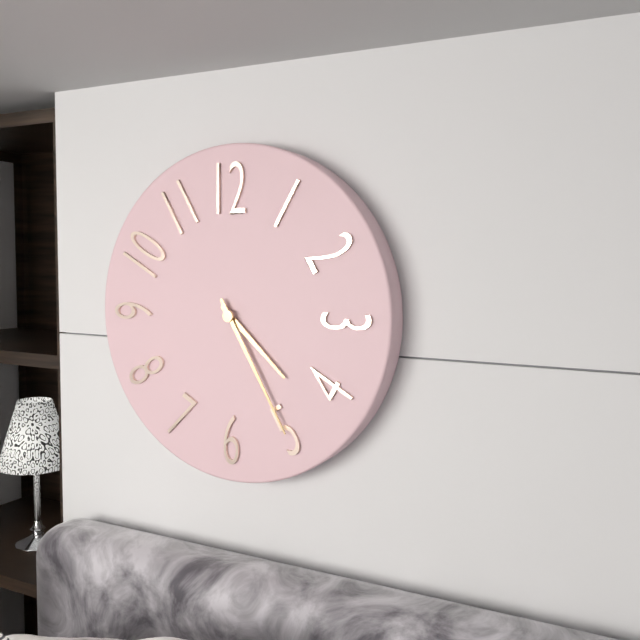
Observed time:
h=4 m=25
